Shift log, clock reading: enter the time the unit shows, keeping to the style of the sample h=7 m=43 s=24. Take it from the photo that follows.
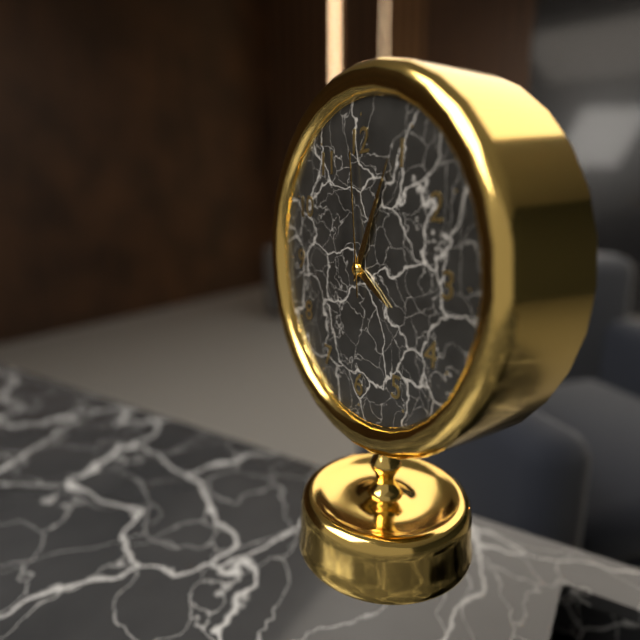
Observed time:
h=4 m=4 s=59
